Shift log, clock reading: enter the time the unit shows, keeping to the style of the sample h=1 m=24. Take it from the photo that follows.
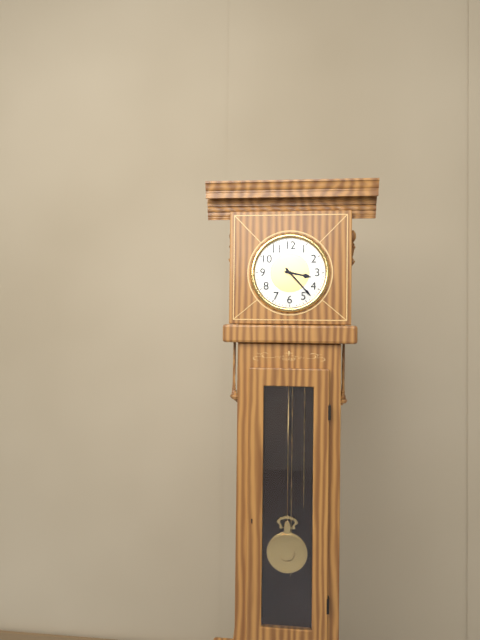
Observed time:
h=3 m=23
